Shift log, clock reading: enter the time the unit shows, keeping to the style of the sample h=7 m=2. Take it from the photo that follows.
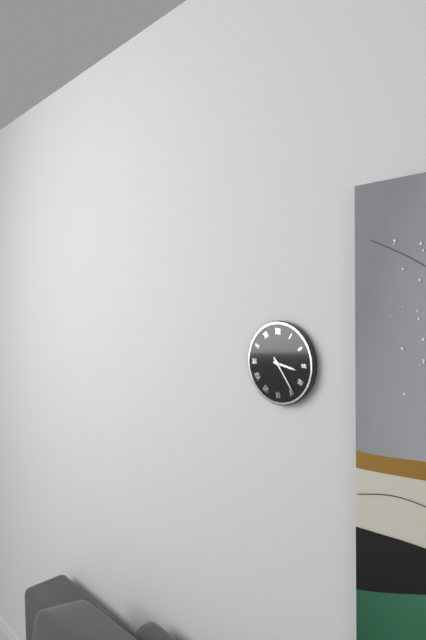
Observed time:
h=3 m=24
